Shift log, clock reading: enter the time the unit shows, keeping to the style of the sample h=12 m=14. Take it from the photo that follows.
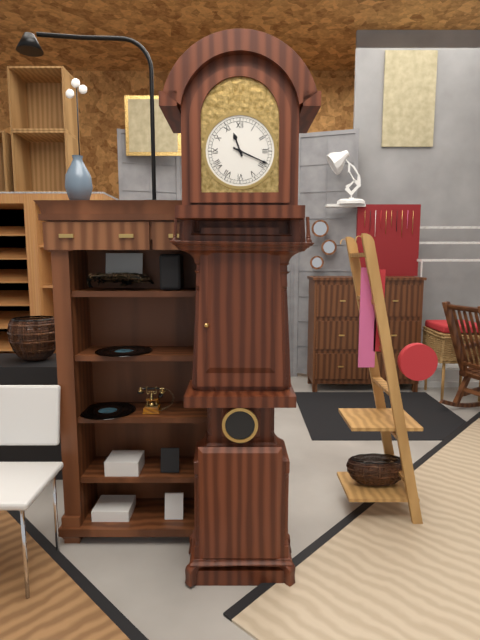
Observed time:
h=11 m=19
